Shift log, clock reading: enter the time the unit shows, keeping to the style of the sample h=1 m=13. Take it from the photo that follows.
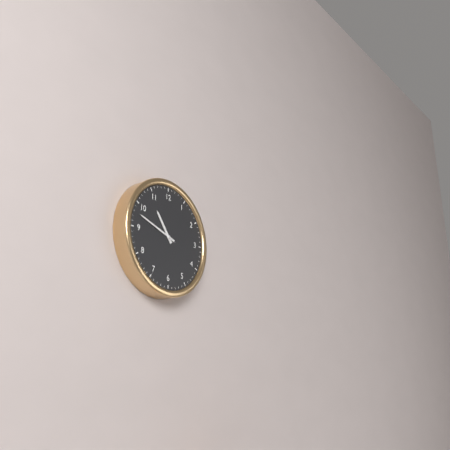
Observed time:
h=10 m=48
